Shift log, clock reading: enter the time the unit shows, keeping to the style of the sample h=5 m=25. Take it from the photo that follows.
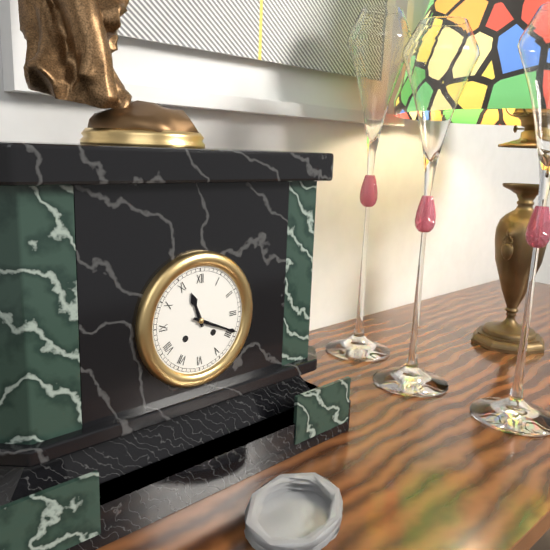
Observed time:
h=11 m=19
